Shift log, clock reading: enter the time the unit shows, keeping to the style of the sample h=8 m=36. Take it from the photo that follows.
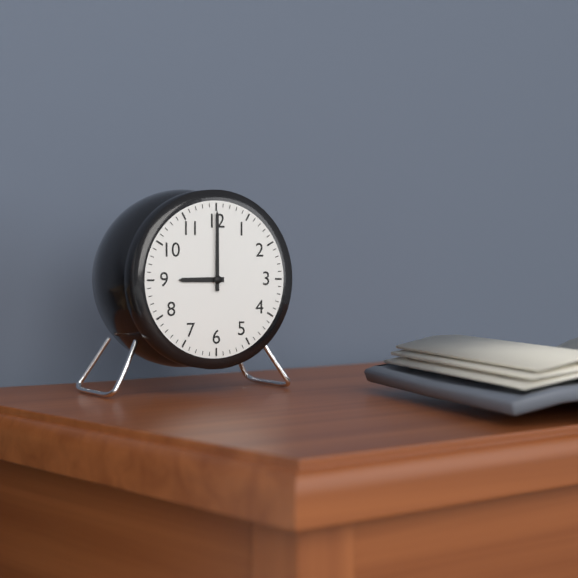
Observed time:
h=9 m=0
